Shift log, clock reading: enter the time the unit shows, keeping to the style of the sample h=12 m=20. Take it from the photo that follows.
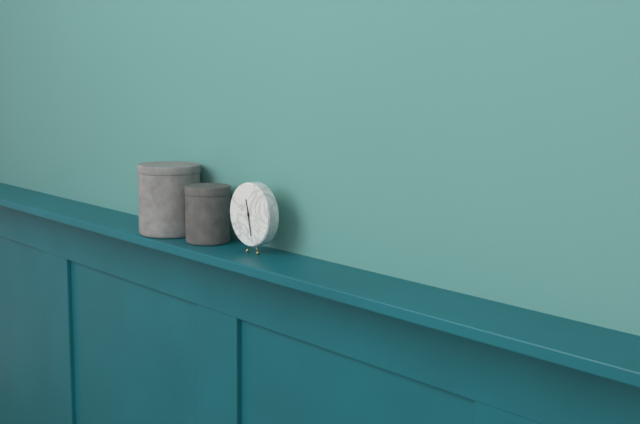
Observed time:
h=11 m=28
